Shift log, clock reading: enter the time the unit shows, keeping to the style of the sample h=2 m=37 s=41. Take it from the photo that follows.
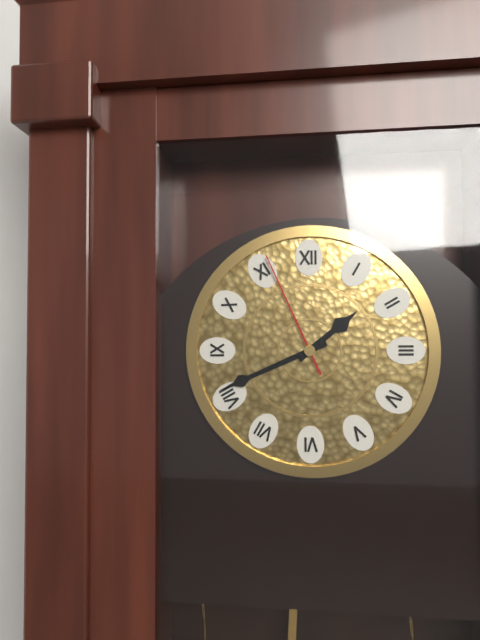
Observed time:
h=1 m=41 s=56
